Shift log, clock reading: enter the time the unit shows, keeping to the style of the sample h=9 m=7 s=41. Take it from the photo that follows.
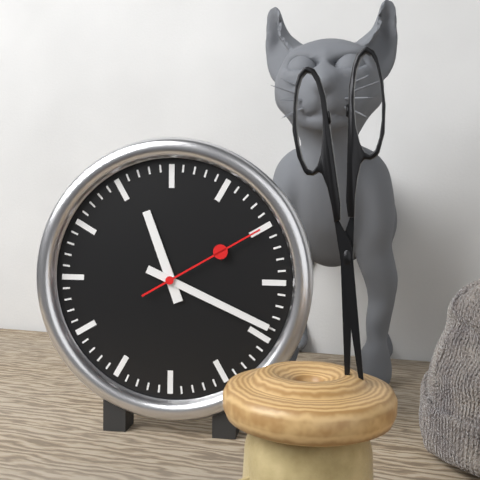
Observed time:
h=11 m=19 s=10
